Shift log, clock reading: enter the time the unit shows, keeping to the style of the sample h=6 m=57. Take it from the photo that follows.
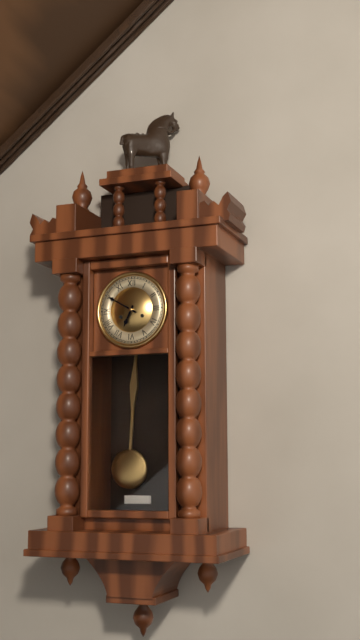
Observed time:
h=6 m=50
